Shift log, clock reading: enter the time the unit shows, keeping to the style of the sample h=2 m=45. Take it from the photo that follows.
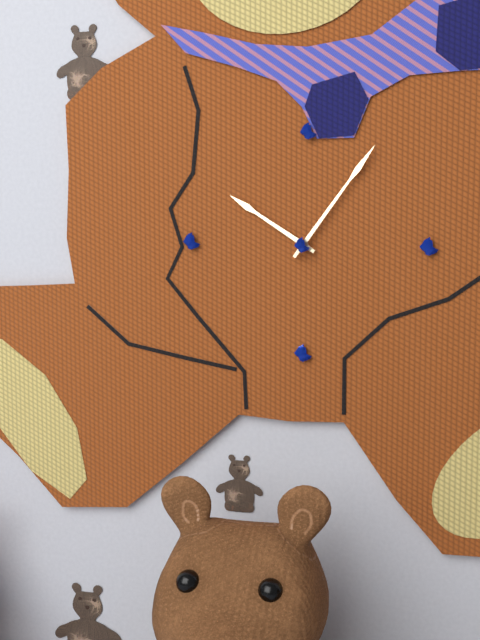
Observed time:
h=10 m=6
